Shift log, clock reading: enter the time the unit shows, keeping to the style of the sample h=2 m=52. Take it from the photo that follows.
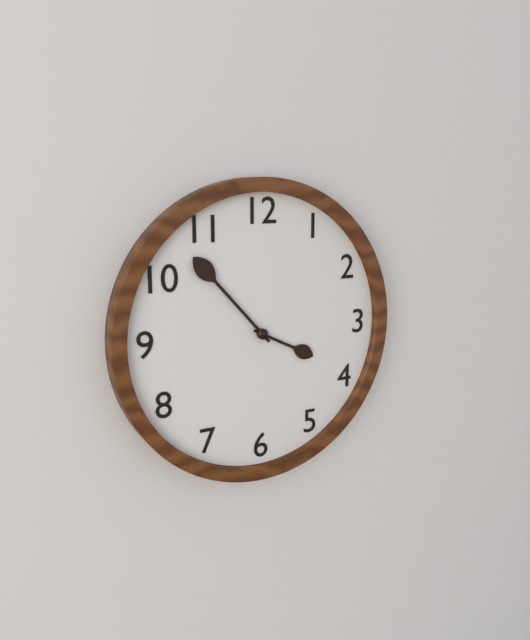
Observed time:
h=3 m=53
